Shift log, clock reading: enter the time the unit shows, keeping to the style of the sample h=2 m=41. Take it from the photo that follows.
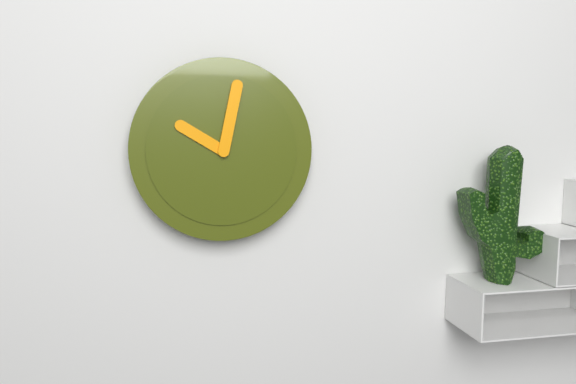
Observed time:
h=10 m=2
